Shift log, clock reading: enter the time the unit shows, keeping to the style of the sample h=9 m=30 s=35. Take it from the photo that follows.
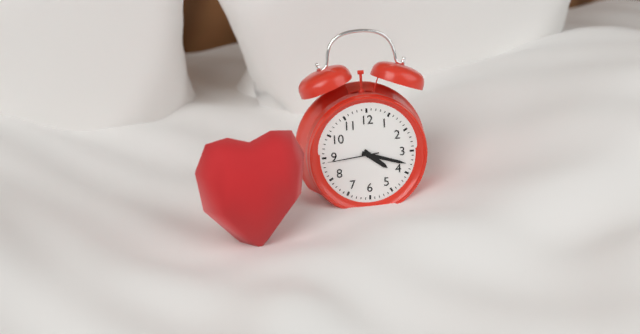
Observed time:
h=4 m=18 s=44
